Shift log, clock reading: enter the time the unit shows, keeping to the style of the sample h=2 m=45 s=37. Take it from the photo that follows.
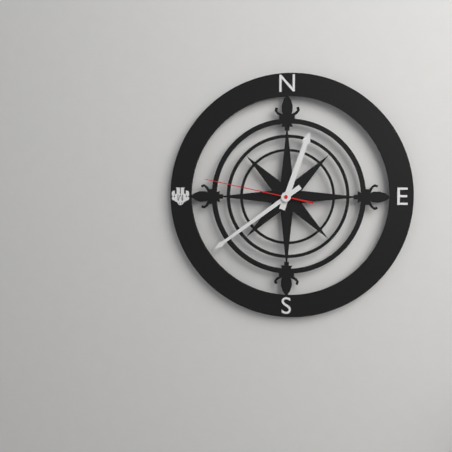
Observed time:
h=12 m=39 s=47
